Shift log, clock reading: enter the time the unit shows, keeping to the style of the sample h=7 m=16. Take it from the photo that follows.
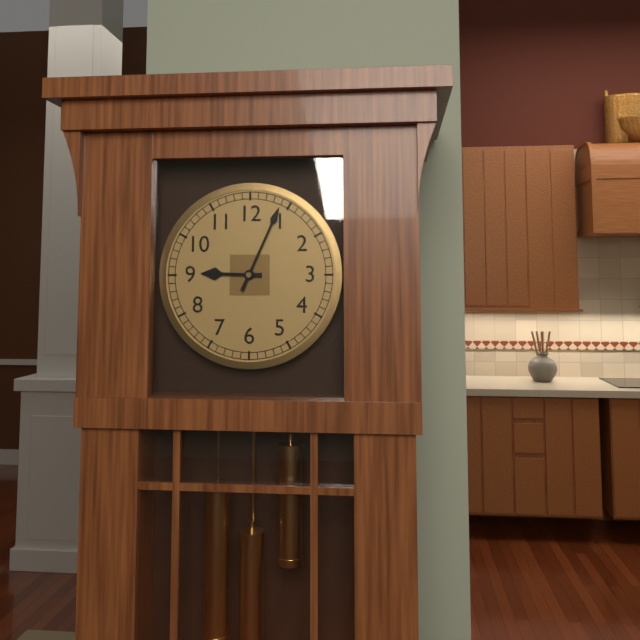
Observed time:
h=9 m=4
